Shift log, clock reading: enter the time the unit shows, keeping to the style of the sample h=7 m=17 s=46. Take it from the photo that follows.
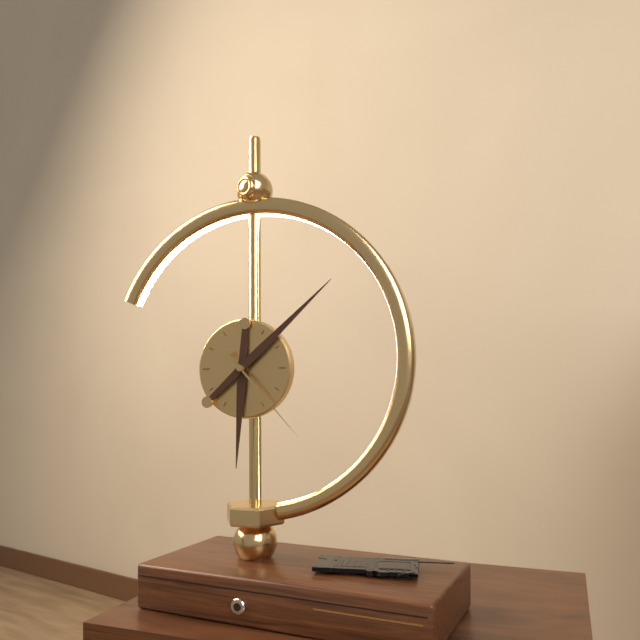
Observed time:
h=6 m=8 s=23
